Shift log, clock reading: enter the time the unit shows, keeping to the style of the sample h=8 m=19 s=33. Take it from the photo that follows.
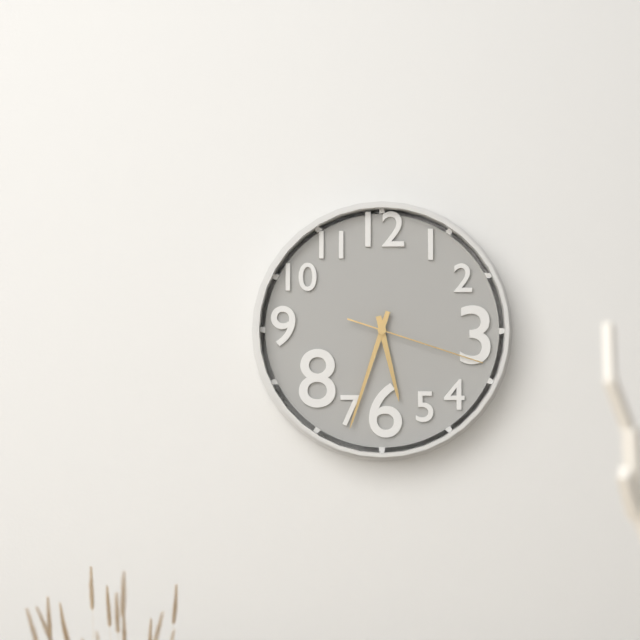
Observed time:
h=5 m=33 s=18
